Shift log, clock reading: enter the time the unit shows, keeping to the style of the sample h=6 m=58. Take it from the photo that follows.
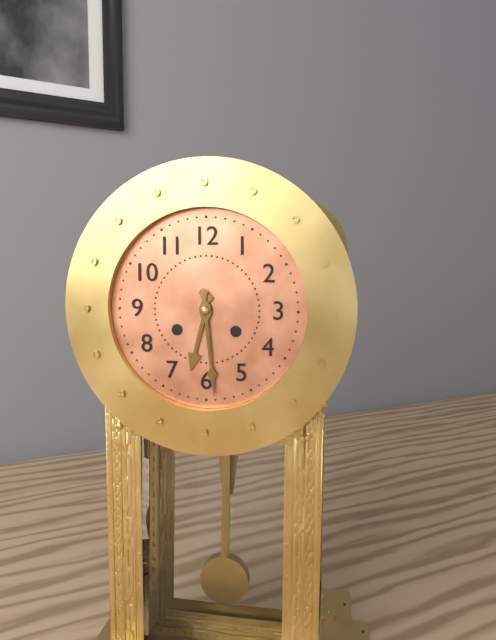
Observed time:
h=6 m=29
